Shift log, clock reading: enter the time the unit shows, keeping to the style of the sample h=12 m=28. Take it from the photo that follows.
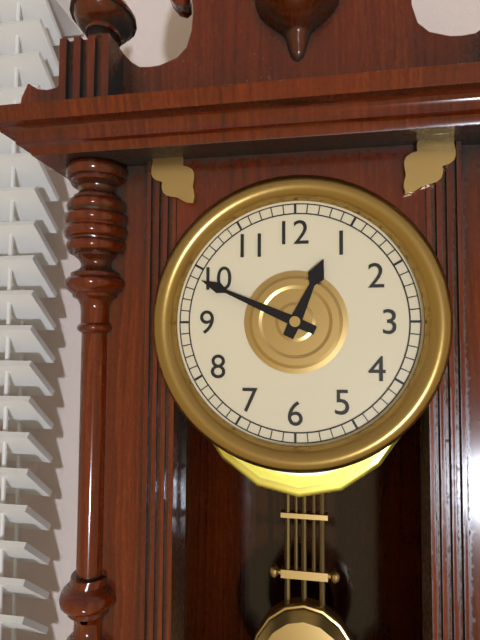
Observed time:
h=12 m=49
